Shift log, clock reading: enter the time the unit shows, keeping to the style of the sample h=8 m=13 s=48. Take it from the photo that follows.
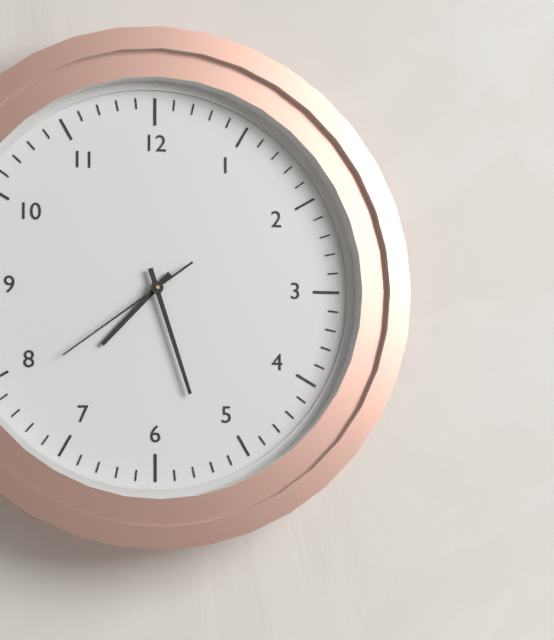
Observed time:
h=7 m=27 s=39
